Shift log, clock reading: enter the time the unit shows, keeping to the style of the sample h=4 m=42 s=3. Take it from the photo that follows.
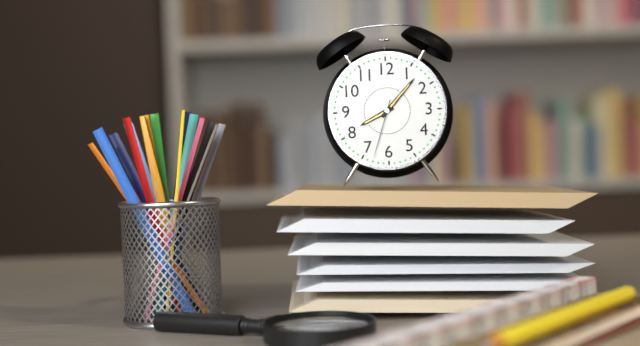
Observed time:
h=8 m=7 s=33
